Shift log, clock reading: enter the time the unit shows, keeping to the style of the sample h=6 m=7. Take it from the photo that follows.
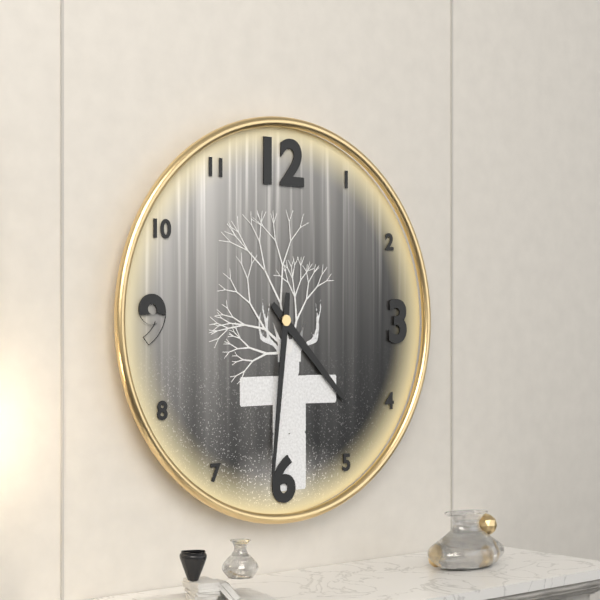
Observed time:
h=4 m=31
